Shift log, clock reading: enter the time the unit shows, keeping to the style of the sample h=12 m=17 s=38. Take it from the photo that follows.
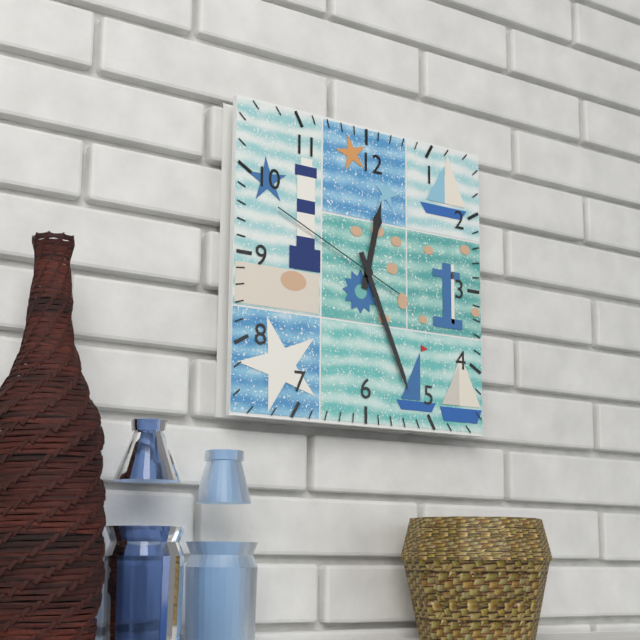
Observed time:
h=12 m=26 s=49
